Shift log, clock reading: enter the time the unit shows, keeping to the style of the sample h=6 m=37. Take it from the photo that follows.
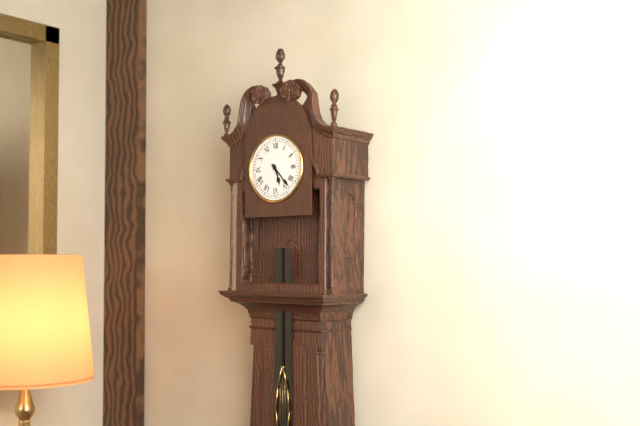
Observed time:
h=5 m=23
